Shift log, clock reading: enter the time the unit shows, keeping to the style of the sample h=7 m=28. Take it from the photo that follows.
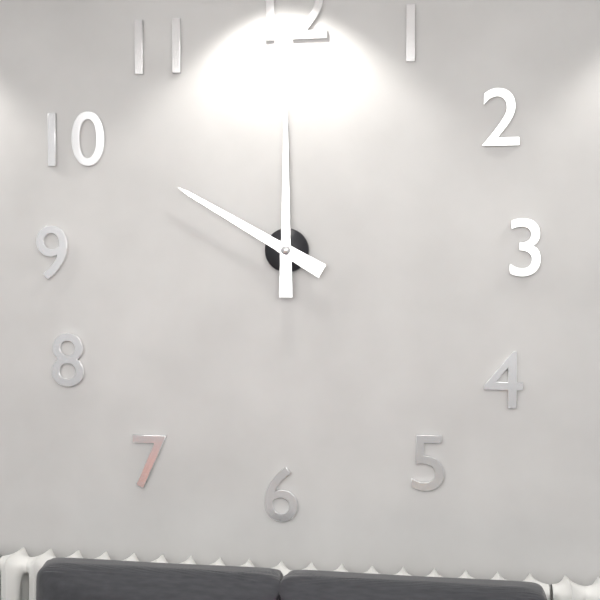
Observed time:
h=10 m=0
